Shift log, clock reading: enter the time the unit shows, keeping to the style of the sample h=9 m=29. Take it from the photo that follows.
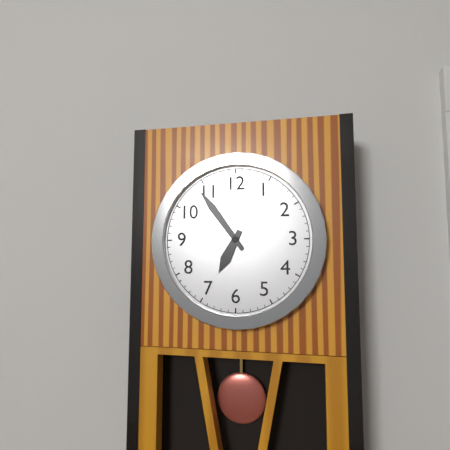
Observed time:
h=6 m=54
